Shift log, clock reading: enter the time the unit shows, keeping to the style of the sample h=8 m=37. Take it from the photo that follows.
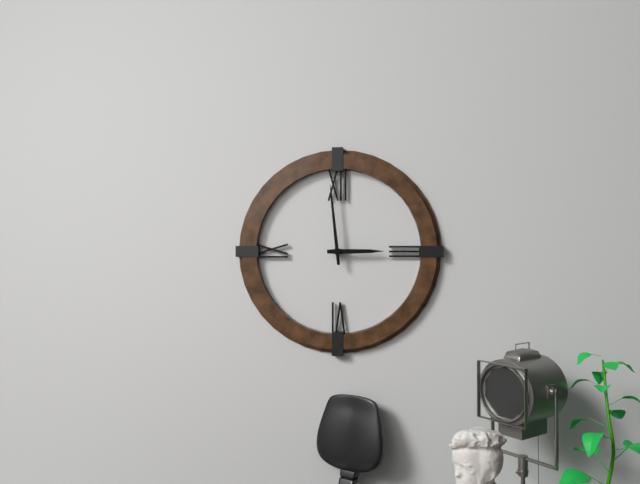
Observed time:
h=2 m=59
